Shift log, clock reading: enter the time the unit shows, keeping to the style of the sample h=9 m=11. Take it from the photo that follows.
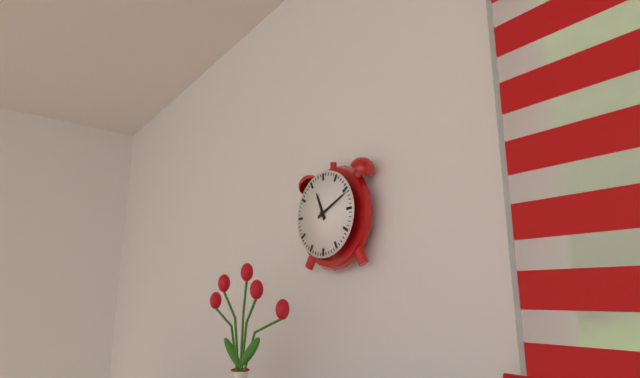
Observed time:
h=11 m=11
